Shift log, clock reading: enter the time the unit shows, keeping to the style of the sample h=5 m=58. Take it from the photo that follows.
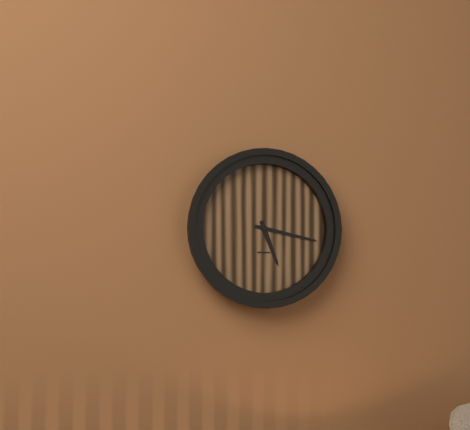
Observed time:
h=5 m=17
